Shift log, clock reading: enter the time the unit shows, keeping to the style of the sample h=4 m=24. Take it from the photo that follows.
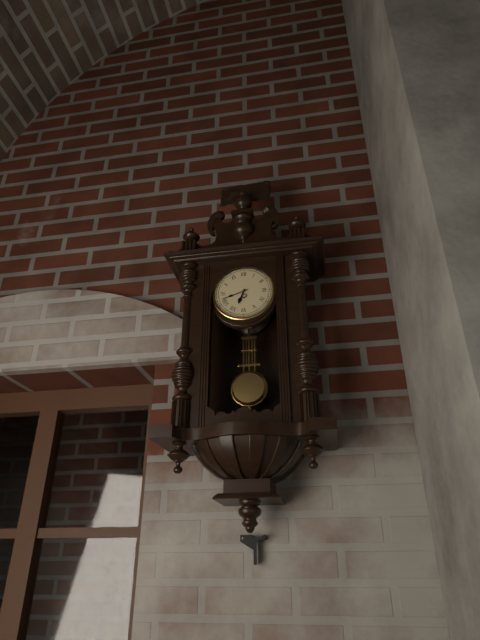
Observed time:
h=6 m=42
